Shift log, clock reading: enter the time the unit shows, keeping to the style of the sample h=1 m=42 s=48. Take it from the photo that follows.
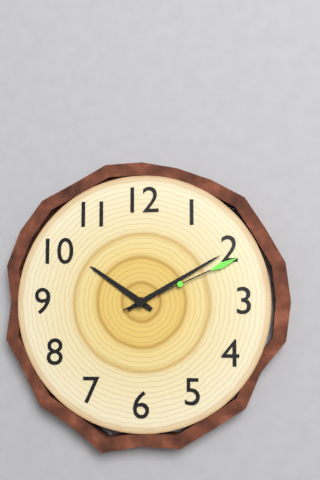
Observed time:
h=10 m=10 s=11
